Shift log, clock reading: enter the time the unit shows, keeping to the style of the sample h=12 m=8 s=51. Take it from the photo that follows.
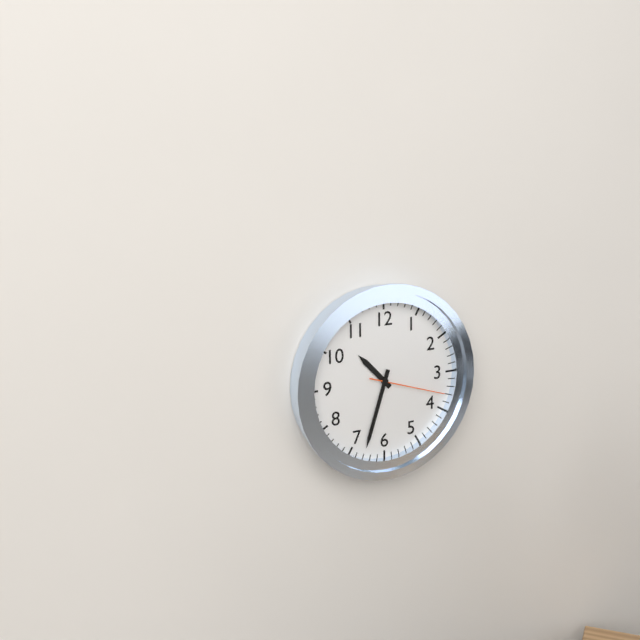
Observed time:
h=10 m=33 s=18
